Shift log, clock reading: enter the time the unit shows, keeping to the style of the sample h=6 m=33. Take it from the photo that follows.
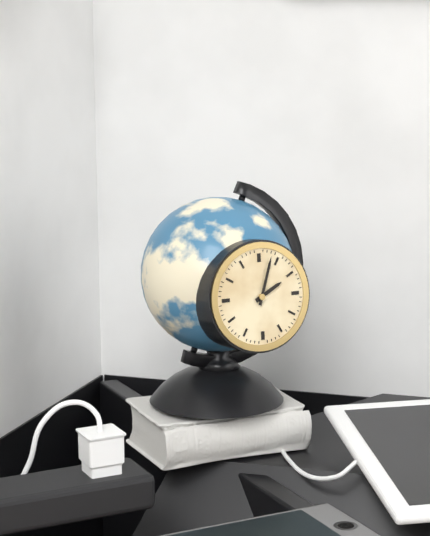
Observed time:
h=2 m=3
